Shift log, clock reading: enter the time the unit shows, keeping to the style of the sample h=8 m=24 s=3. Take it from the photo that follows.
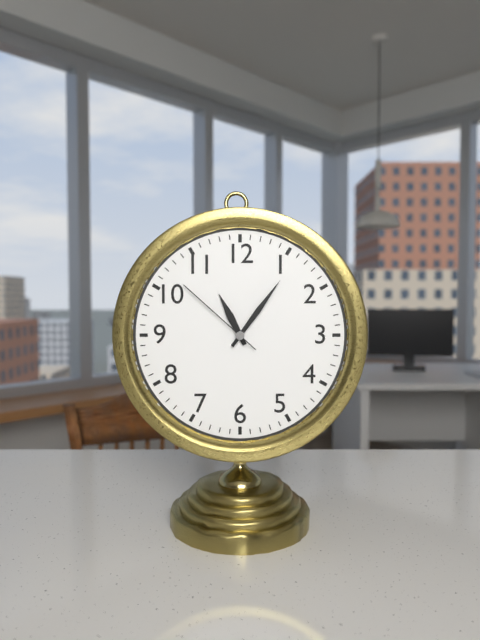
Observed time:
h=11 m=6 s=52
